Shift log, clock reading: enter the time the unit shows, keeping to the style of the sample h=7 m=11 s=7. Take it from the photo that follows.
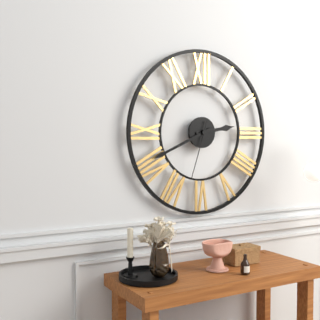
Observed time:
h=2 m=41 s=33
